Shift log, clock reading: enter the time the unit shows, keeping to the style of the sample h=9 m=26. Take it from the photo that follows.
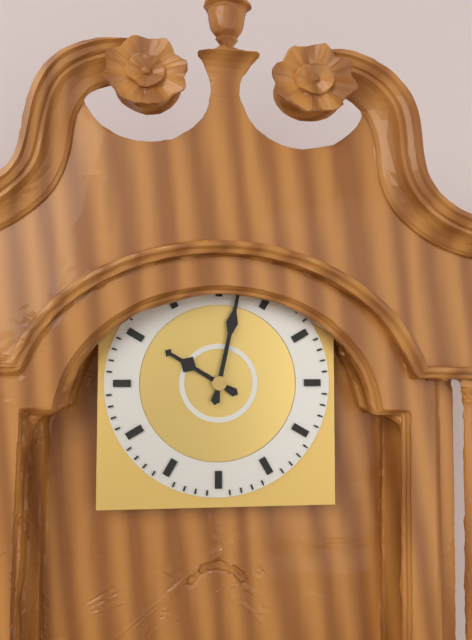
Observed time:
h=10 m=2
